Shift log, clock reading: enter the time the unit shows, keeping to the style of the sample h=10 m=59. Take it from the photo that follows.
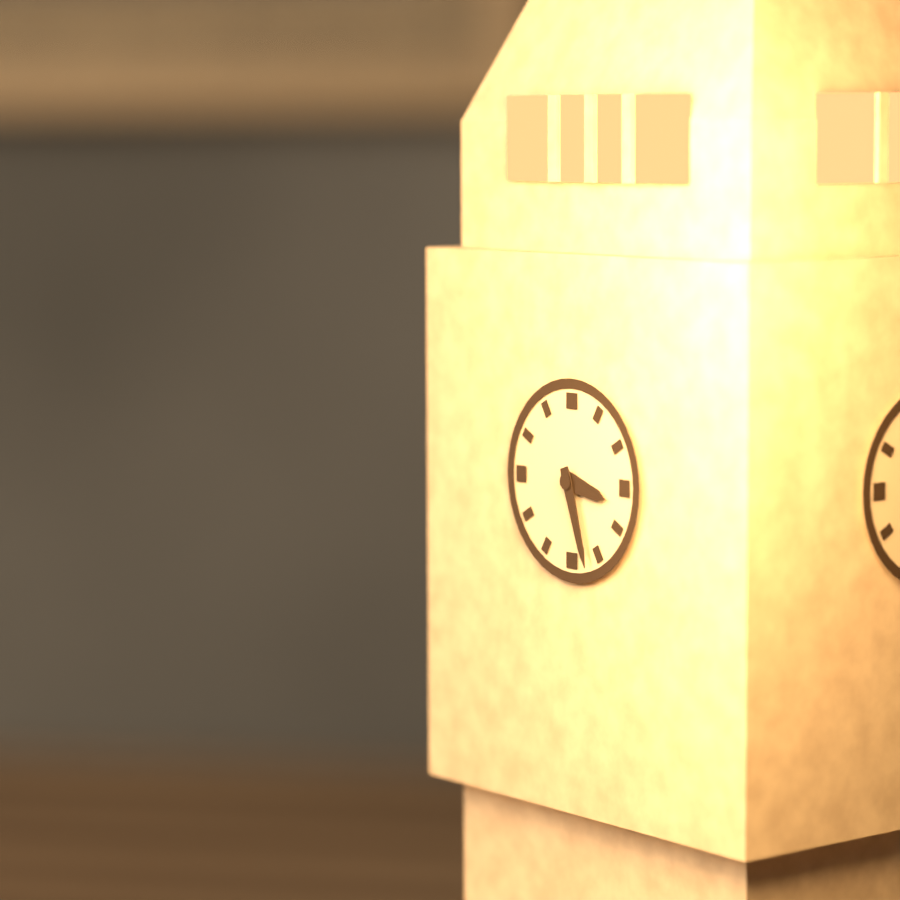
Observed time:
h=3 m=27
